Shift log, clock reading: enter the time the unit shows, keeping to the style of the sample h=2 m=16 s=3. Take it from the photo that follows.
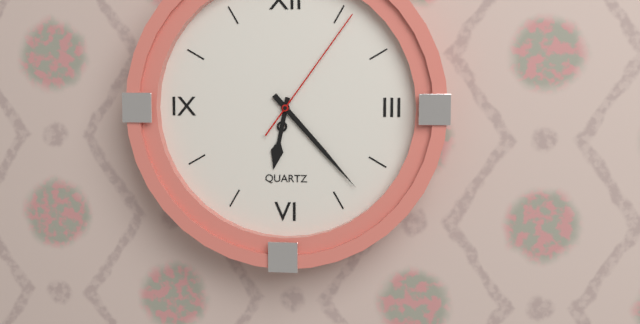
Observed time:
h=6 m=23 s=6
